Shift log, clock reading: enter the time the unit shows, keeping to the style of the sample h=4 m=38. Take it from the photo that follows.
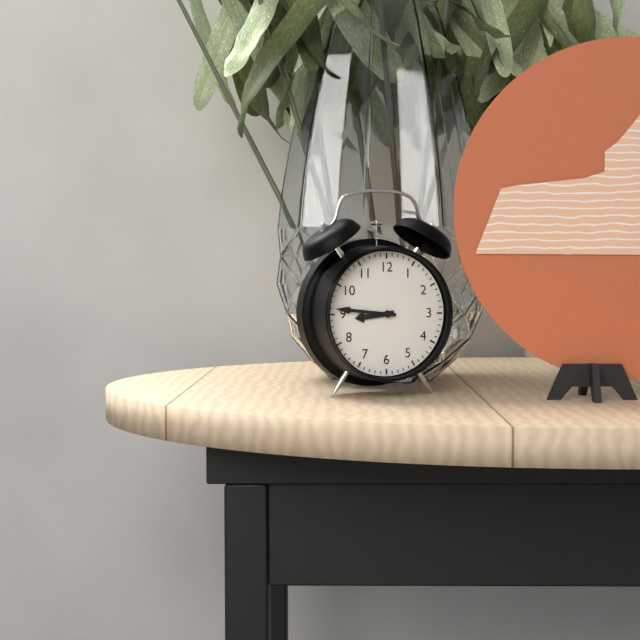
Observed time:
h=8 m=46
